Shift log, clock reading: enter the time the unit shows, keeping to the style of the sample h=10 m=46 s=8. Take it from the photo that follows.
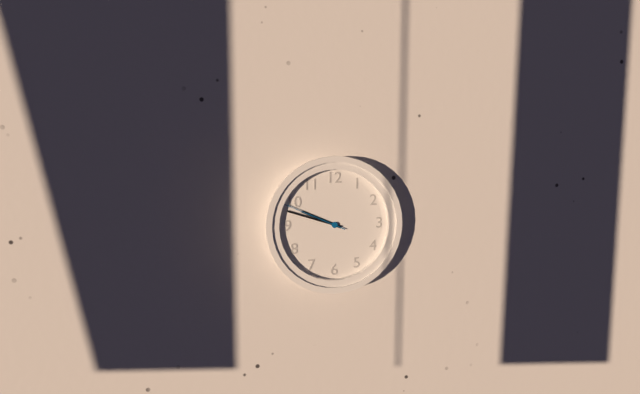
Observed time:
h=9 m=48 s=49
